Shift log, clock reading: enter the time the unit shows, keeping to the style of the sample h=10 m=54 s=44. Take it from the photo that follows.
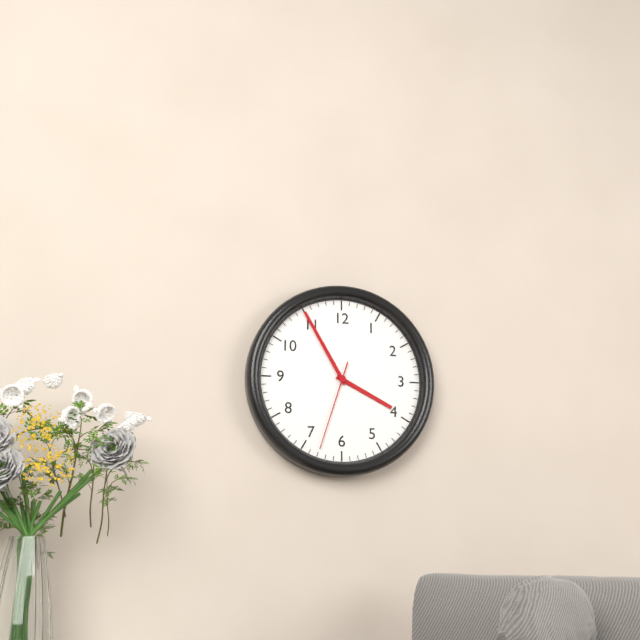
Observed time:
h=3 m=55 s=33
